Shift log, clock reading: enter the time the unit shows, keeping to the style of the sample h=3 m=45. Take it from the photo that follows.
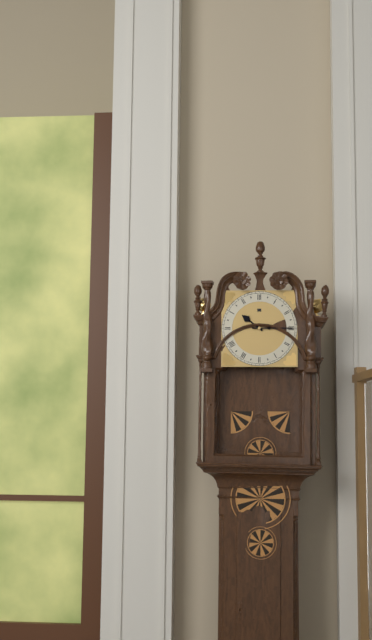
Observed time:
h=10 m=15
